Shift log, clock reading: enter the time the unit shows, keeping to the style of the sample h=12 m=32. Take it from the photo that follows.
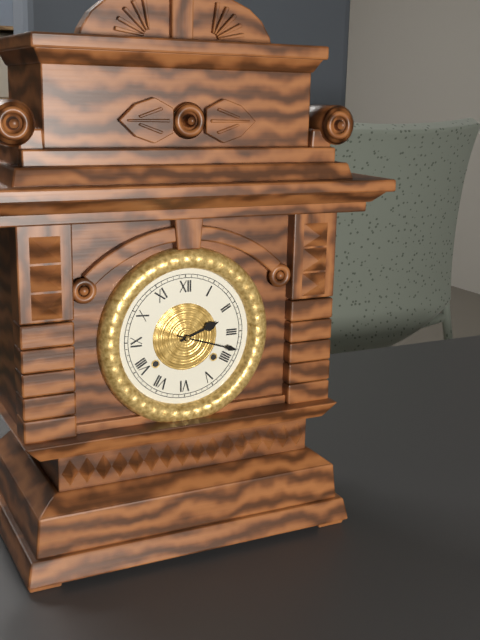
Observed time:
h=2 m=18
